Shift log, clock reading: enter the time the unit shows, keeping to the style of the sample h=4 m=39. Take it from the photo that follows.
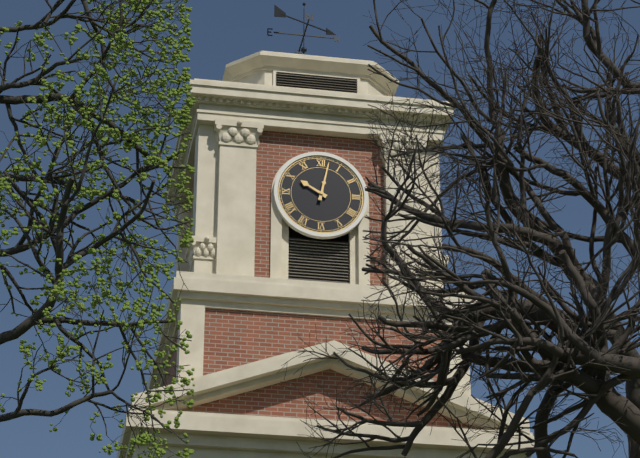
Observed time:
h=10 m=2
